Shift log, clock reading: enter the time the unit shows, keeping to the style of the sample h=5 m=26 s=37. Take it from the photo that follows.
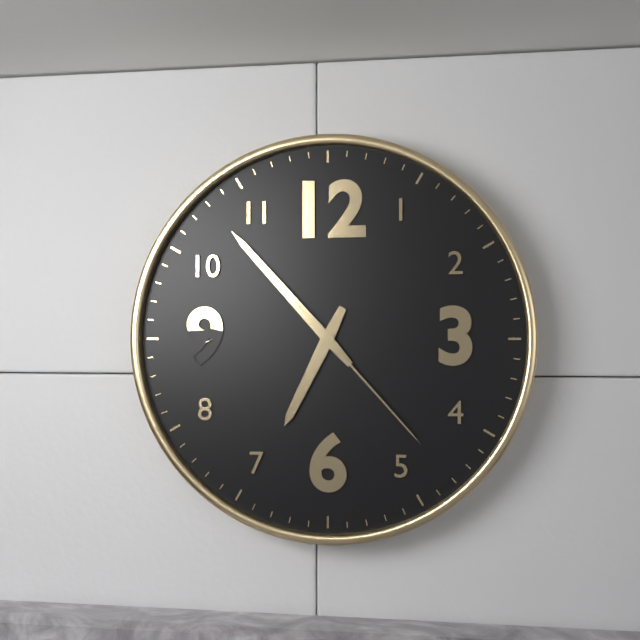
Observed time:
h=6 m=53 s=23
